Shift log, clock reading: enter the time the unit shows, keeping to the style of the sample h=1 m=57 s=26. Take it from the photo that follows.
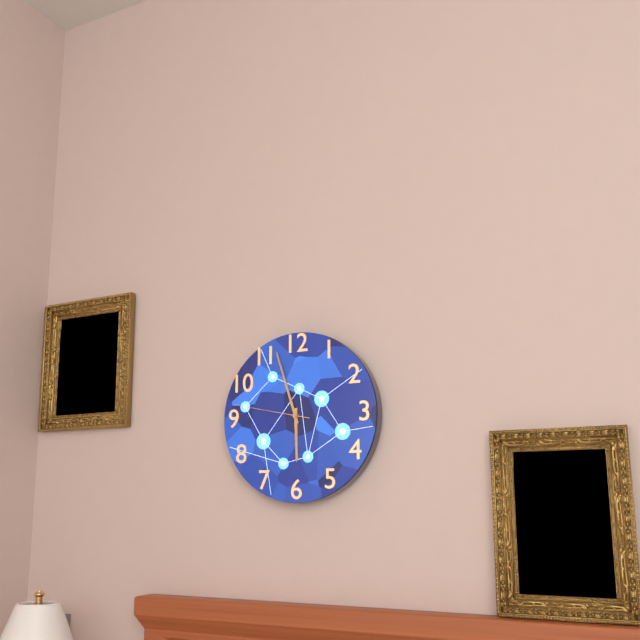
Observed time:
h=5 m=57 s=47
